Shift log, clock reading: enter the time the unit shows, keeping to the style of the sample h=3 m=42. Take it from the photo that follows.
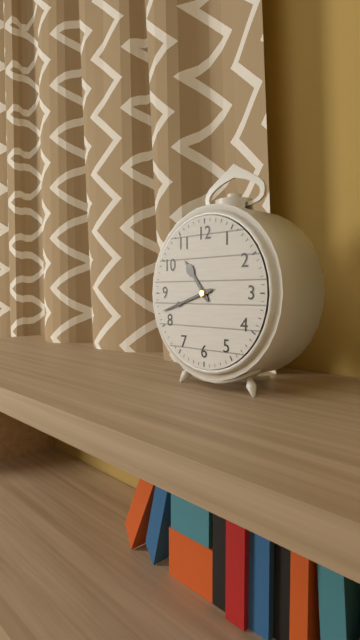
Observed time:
h=10 m=42
